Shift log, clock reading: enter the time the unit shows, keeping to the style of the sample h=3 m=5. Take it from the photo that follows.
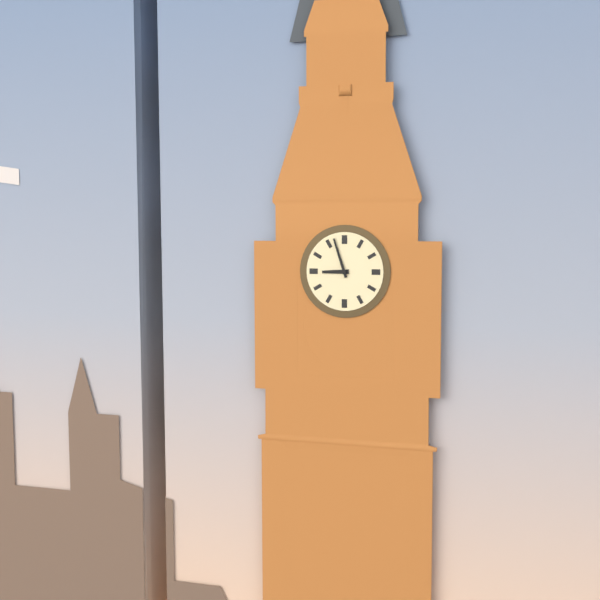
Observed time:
h=8 m=57
